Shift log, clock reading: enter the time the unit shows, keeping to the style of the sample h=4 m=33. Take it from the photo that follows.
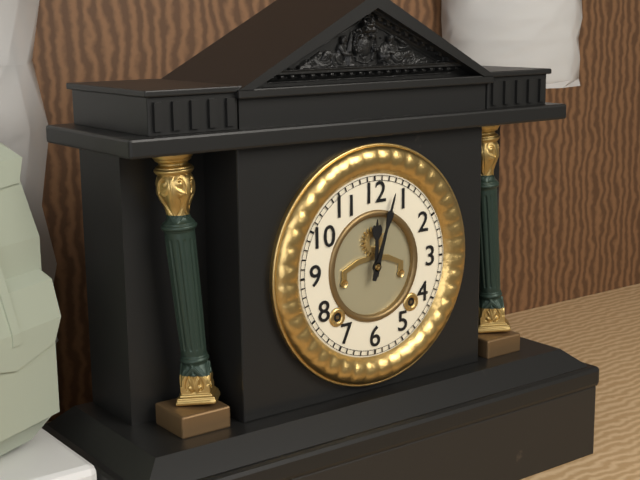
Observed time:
h=12 m=3
